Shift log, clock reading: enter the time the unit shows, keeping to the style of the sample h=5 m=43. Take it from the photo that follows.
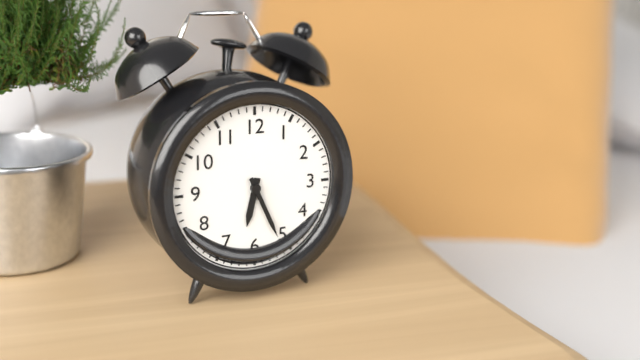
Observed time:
h=6 m=26
